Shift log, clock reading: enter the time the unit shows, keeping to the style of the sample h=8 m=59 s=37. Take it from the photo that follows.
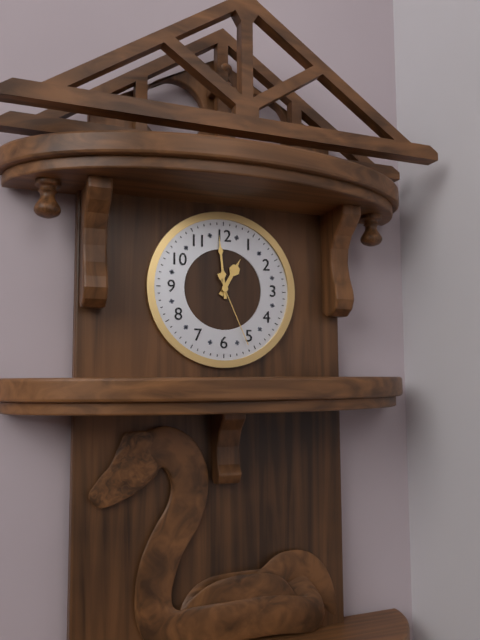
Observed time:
h=12 m=59 s=26
